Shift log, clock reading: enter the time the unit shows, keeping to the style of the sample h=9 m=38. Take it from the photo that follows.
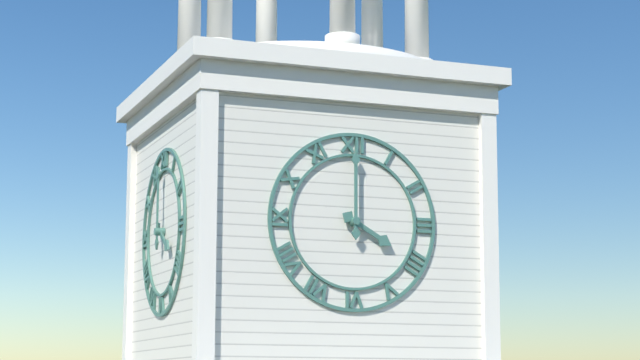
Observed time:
h=4 m=0
